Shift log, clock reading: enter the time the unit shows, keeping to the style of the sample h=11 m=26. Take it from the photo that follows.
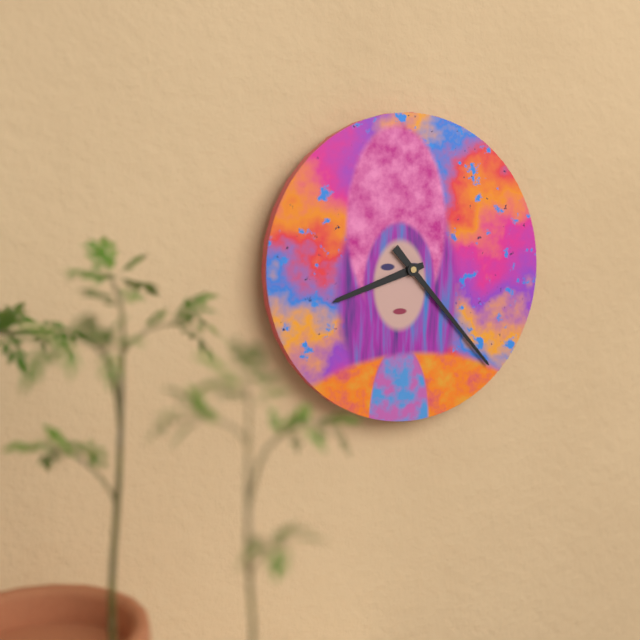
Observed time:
h=8 m=23
